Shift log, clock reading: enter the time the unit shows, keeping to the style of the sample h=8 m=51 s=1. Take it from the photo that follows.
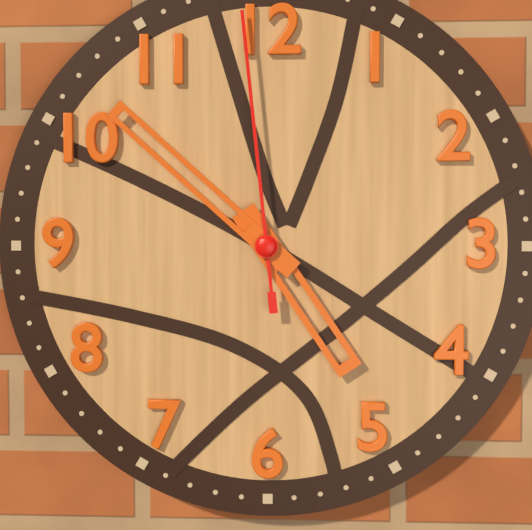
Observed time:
h=4 m=52 s=59
